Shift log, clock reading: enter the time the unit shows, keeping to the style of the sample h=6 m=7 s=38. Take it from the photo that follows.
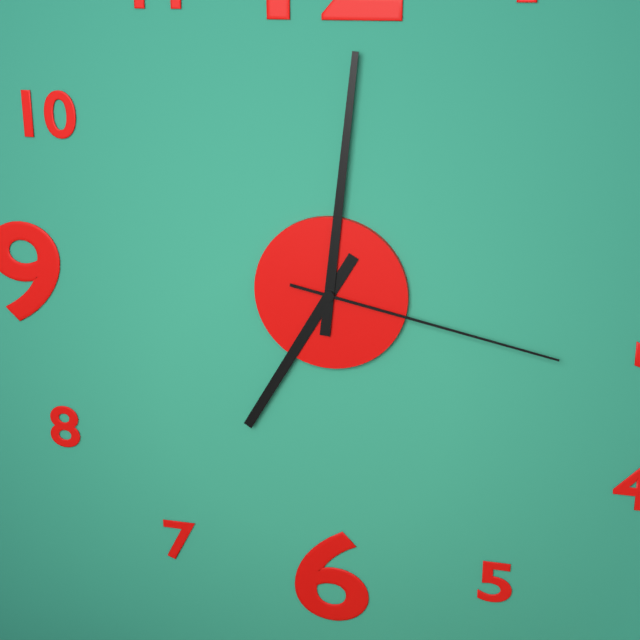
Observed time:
h=7 m=1 s=17
